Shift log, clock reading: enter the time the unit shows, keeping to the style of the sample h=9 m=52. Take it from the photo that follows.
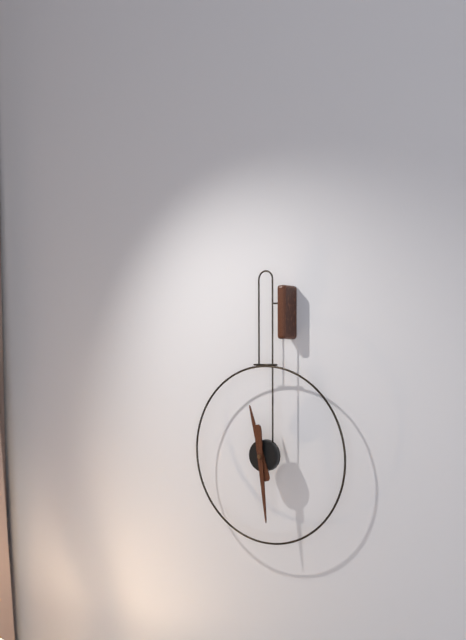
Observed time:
h=11 m=29
